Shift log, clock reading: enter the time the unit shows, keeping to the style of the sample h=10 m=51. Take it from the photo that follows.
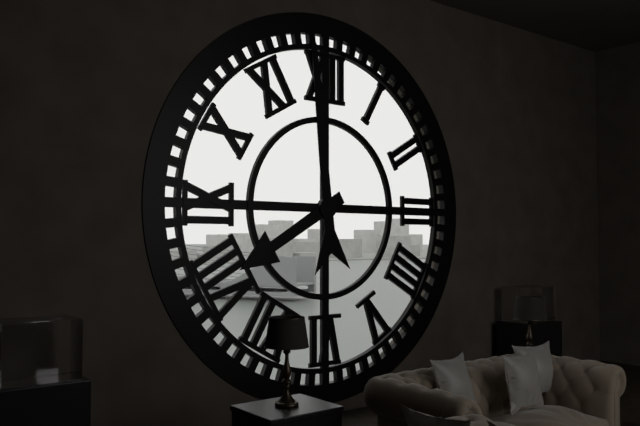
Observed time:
h=7 m=59
